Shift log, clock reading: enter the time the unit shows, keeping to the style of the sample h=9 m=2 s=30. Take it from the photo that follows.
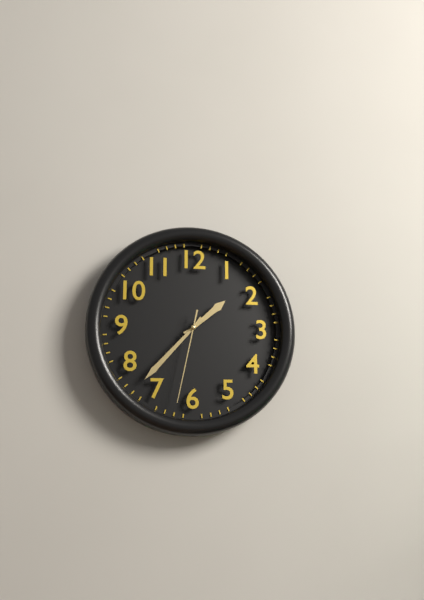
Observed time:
h=1 m=37 s=32
